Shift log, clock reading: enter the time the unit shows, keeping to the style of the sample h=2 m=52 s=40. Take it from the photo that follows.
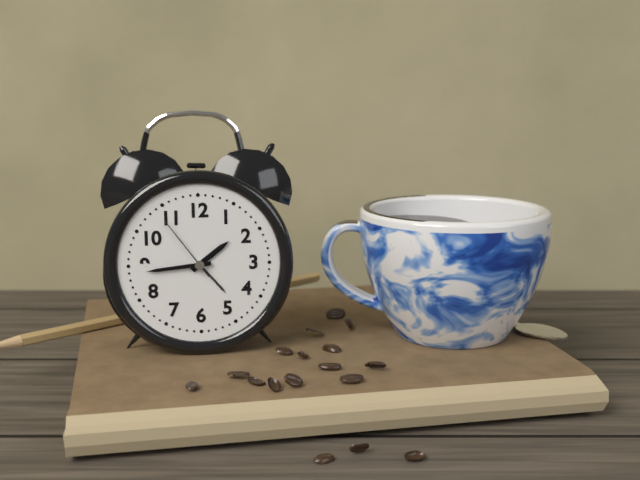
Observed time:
h=1 m=44 s=54
